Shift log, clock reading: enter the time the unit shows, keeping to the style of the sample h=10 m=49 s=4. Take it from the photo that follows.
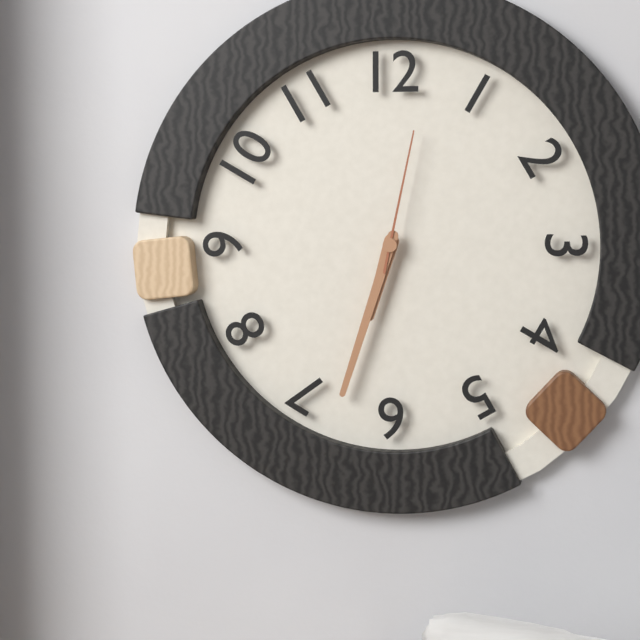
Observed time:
h=6 m=33 s=2
